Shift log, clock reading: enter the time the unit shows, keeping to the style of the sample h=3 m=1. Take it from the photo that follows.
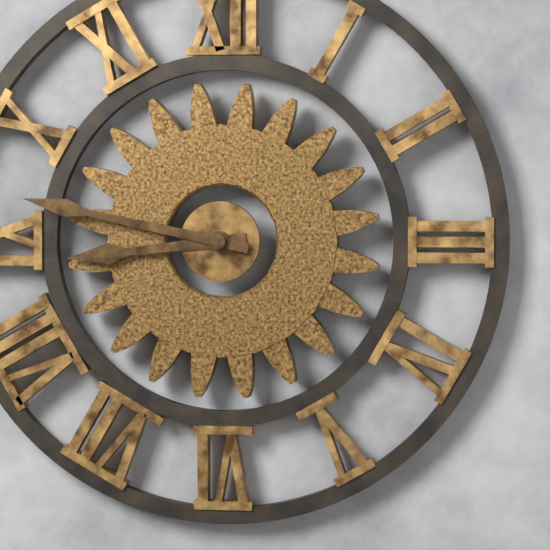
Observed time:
h=8 m=47
